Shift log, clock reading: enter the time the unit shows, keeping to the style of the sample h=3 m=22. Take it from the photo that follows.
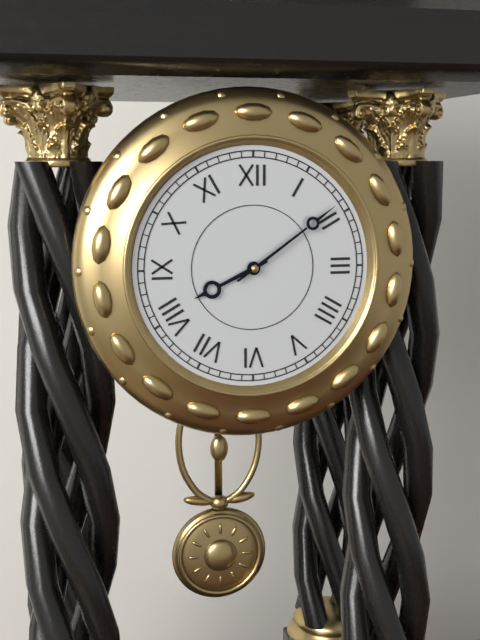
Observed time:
h=8 m=9
